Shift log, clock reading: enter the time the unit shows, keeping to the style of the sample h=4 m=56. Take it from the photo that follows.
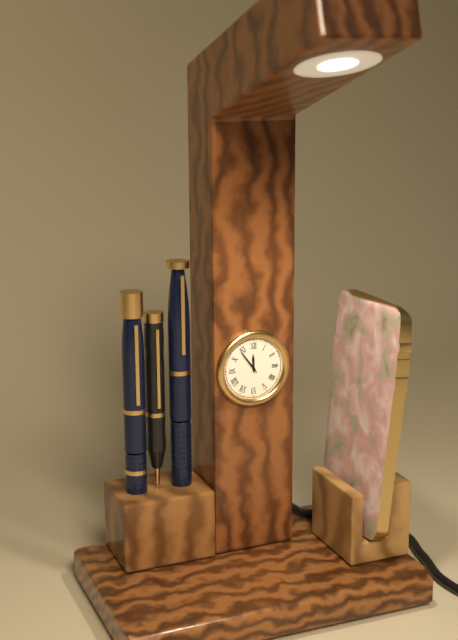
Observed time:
h=11 m=54
